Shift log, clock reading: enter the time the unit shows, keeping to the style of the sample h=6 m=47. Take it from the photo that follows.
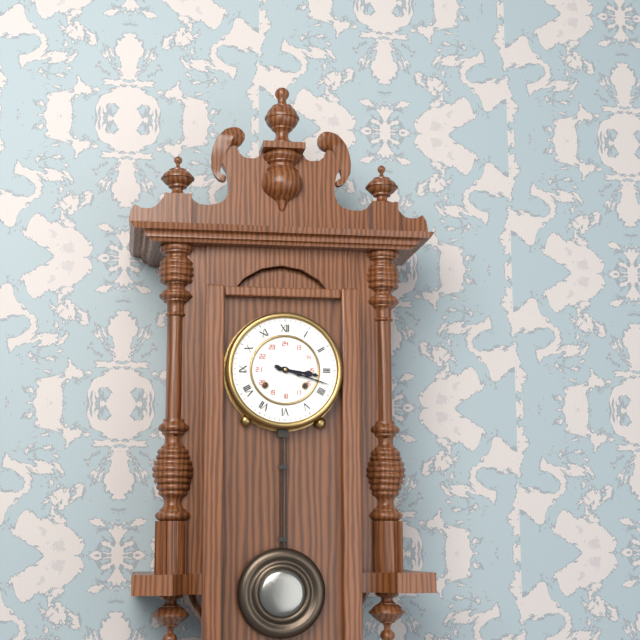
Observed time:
h=3 m=18
